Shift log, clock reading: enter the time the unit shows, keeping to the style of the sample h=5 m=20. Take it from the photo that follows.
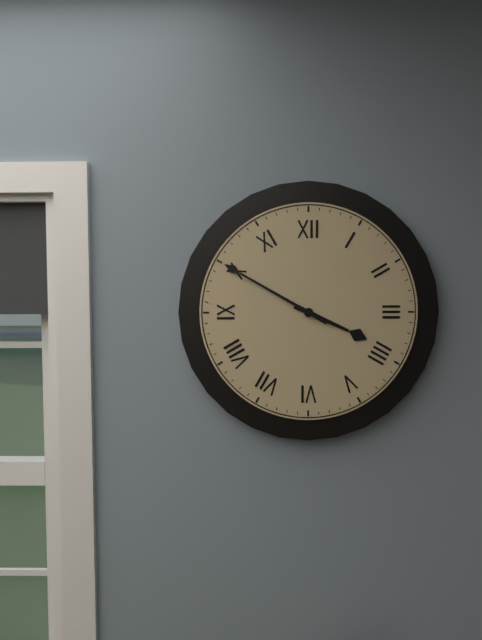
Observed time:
h=3 m=50
